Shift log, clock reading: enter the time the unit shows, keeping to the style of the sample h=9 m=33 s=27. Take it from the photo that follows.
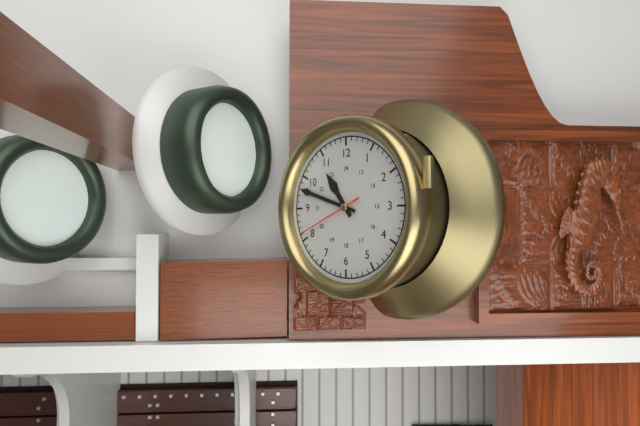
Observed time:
h=10 m=48 s=41
